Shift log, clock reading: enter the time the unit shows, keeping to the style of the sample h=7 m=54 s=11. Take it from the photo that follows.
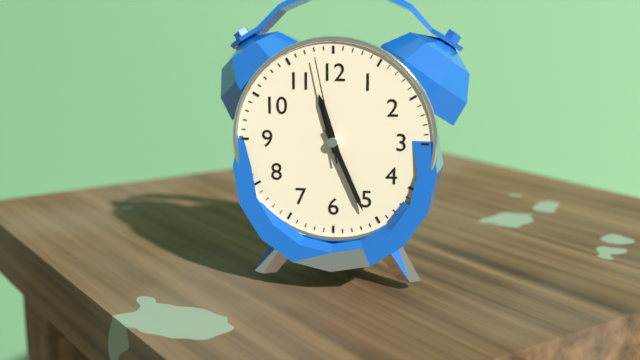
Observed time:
h=11 m=26 s=58
